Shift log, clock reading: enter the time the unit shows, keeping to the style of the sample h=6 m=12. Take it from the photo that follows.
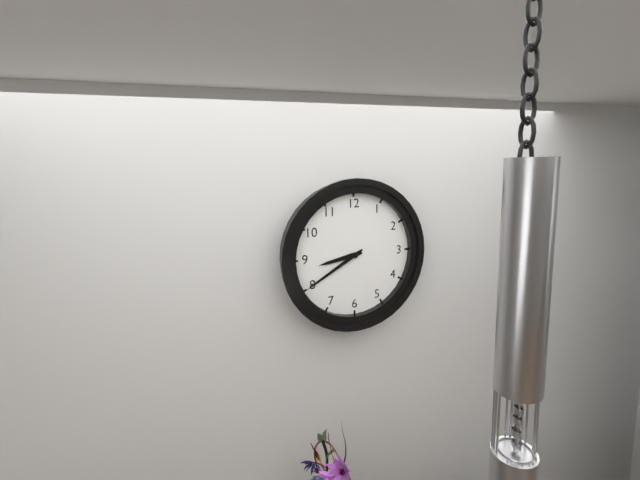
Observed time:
h=8 m=40
